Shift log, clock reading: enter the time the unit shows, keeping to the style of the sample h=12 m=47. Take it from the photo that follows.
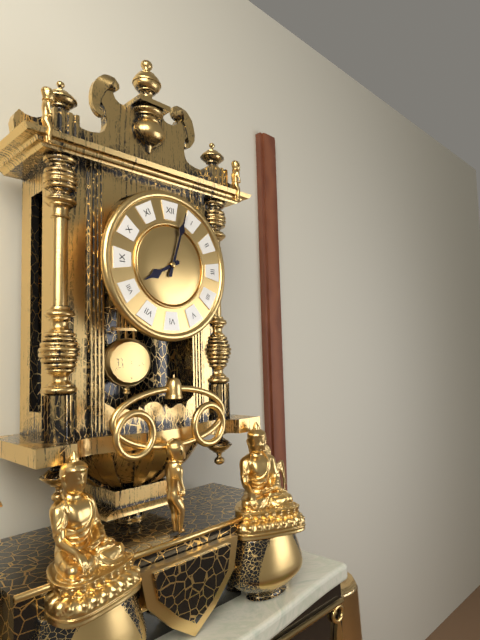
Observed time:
h=8 m=3
